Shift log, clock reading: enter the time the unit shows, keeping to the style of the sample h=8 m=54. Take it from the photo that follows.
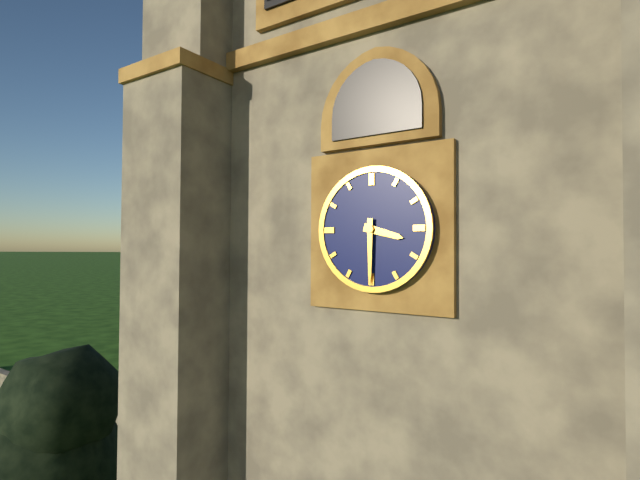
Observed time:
h=3 m=30
